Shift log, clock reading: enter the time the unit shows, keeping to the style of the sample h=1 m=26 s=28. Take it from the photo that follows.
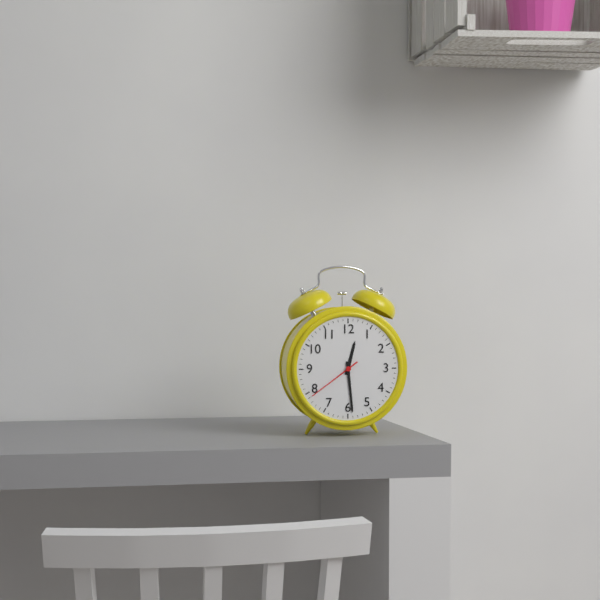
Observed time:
h=12 m=29 s=39
